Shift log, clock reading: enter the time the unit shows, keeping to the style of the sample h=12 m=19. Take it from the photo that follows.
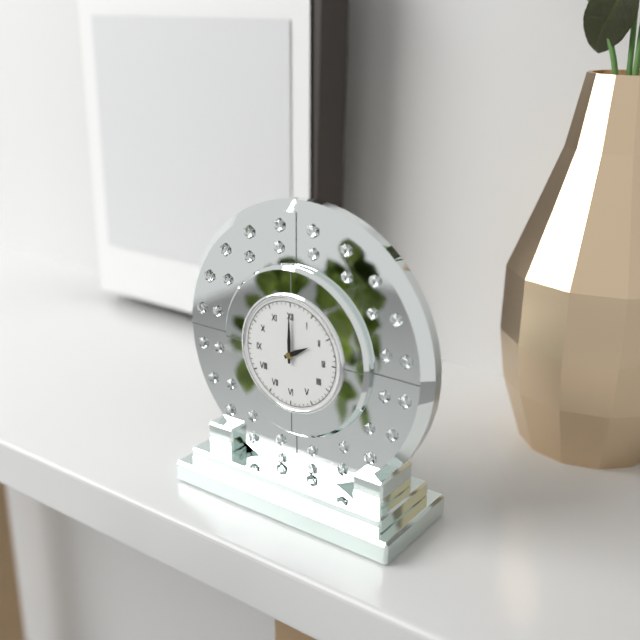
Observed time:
h=2 m=0
